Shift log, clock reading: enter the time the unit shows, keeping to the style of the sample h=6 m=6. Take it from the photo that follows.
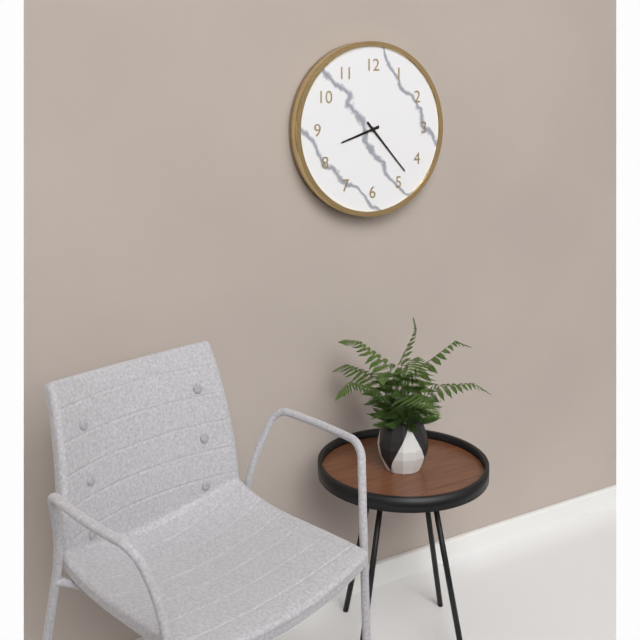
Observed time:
h=8 m=23
